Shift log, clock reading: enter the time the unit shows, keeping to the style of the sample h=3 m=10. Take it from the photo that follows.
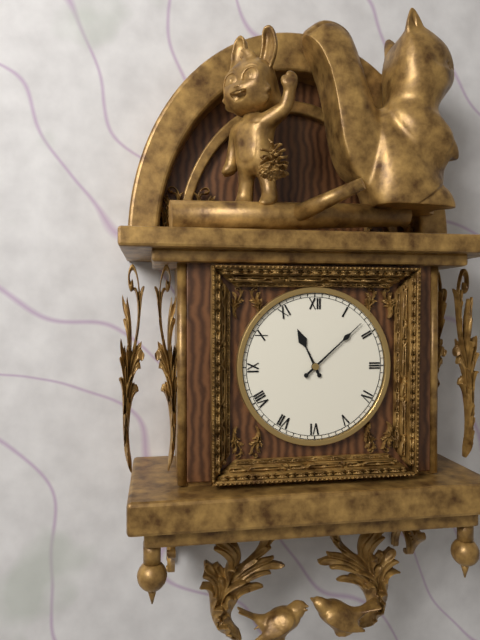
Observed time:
h=11 m=8
